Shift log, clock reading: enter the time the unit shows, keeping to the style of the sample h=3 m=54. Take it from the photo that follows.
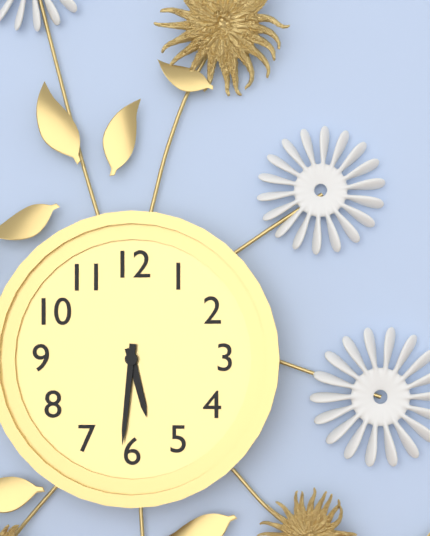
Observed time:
h=5 m=31
